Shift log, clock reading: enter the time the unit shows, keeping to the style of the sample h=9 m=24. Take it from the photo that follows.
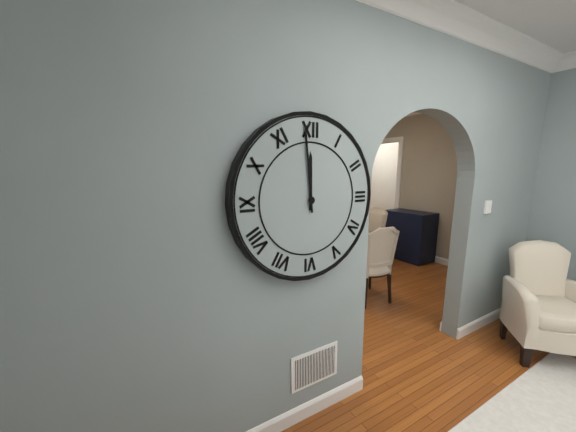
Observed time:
h=11 m=59
